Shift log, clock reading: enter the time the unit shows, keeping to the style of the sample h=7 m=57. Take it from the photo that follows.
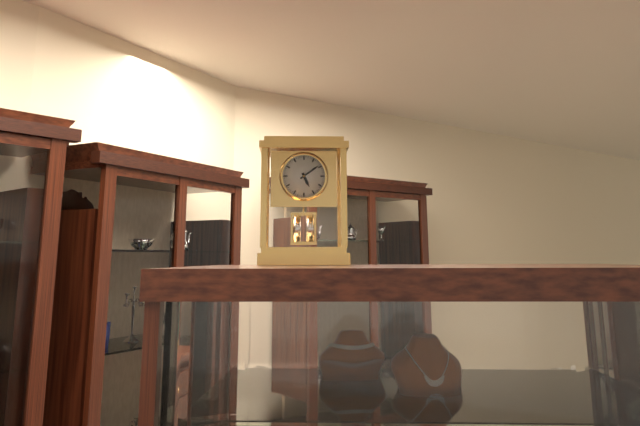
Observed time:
h=5 m=9
